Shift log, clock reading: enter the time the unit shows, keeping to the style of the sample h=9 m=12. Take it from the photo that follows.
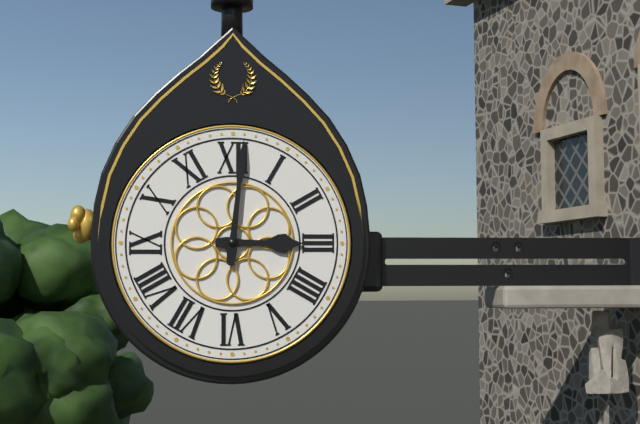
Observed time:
h=3 m=1
